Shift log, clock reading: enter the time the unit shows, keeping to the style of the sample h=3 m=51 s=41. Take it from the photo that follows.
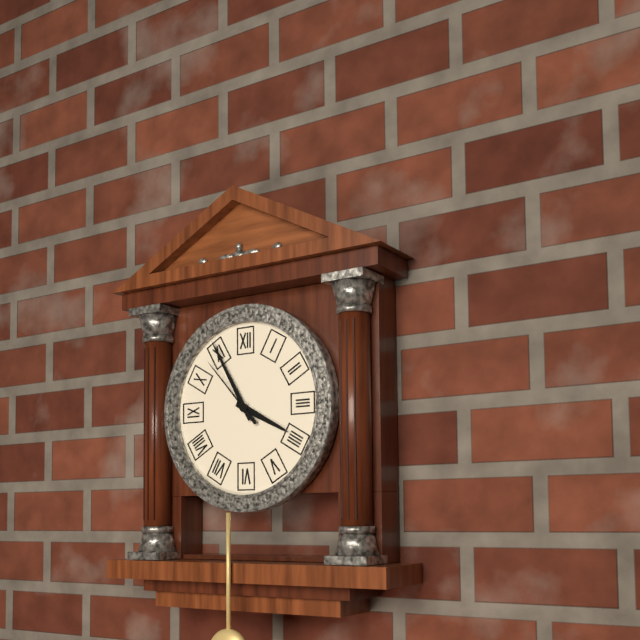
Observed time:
h=3 m=55 s=53
